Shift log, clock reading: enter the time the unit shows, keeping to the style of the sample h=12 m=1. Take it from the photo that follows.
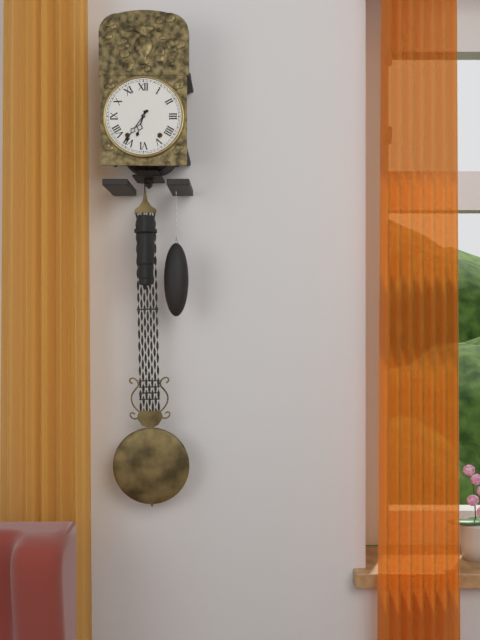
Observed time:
h=6 m=36
